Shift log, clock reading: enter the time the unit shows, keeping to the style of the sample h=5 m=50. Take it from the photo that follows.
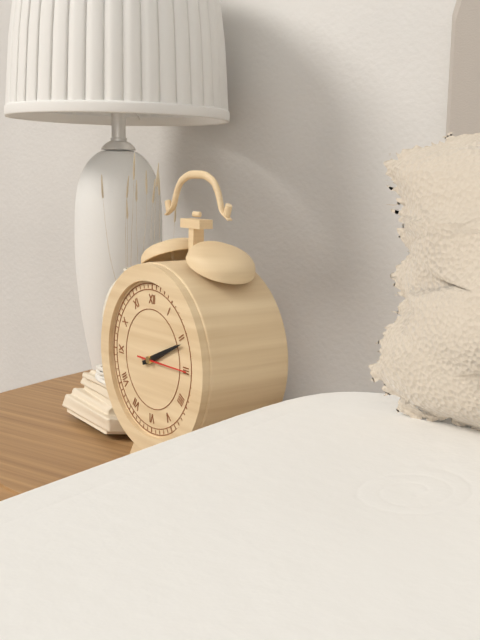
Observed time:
h=2 m=11
